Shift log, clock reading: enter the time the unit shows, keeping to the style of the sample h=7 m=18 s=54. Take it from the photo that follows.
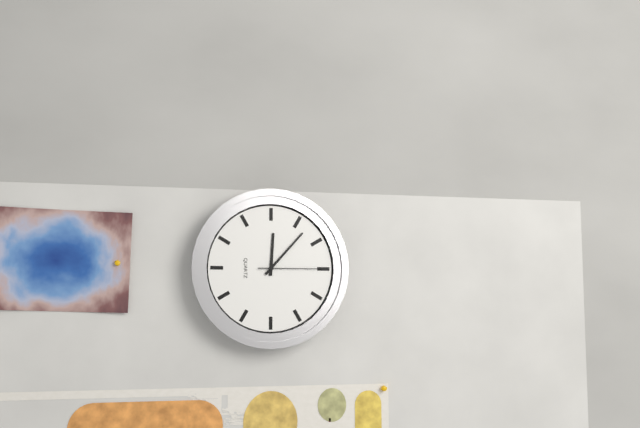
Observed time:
h=12 m=7 s=15
